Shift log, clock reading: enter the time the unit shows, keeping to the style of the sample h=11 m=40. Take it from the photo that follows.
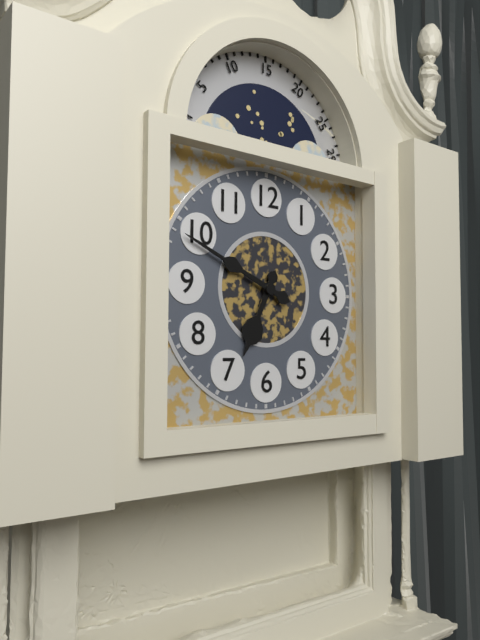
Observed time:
h=6 m=49
